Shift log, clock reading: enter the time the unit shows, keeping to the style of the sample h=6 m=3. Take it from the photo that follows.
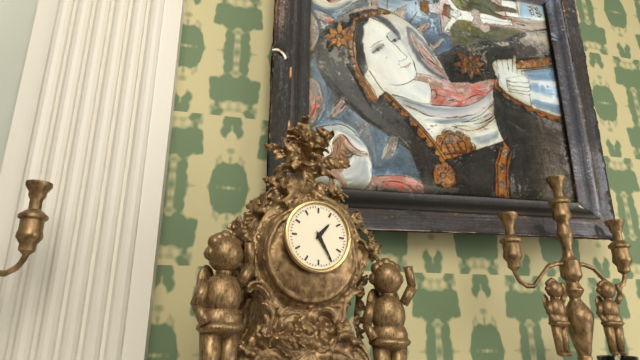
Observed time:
h=1 m=25
